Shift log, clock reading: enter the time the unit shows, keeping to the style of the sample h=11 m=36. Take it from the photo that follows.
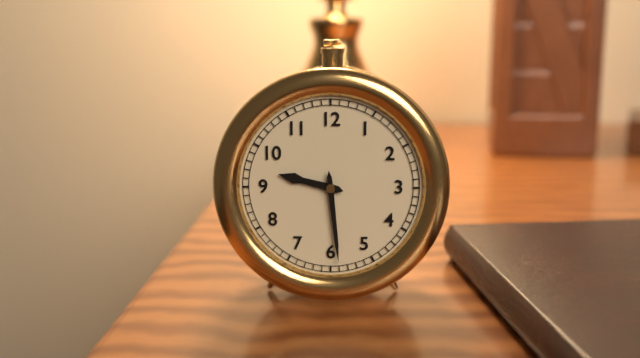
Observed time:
h=9 m=29
